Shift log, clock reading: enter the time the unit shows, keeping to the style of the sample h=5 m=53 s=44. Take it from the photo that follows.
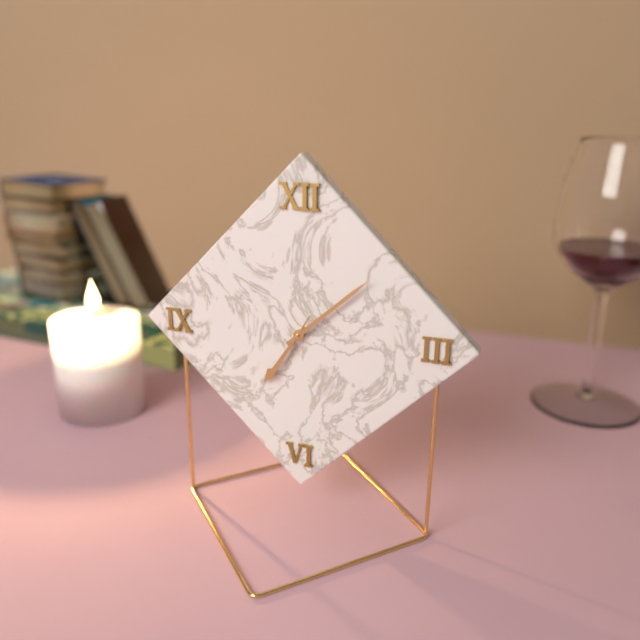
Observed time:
h=7 m=8 s=35
